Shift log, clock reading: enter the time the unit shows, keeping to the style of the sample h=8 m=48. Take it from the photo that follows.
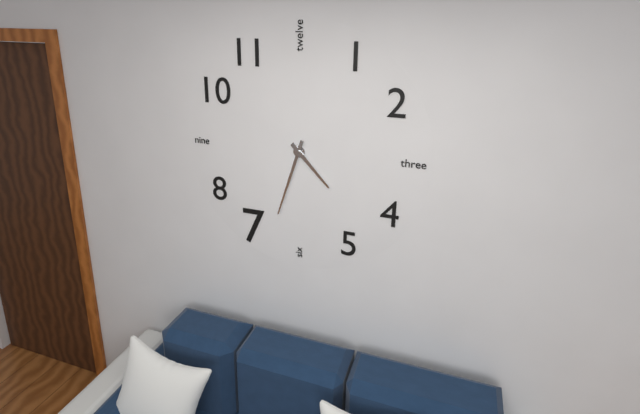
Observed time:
h=4 m=33
